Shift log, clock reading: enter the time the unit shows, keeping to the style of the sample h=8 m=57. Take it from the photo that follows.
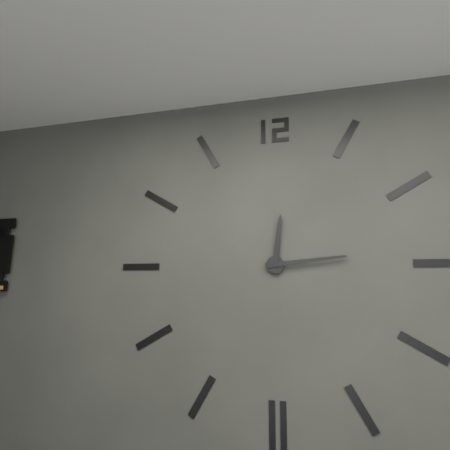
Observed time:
h=12 m=14
